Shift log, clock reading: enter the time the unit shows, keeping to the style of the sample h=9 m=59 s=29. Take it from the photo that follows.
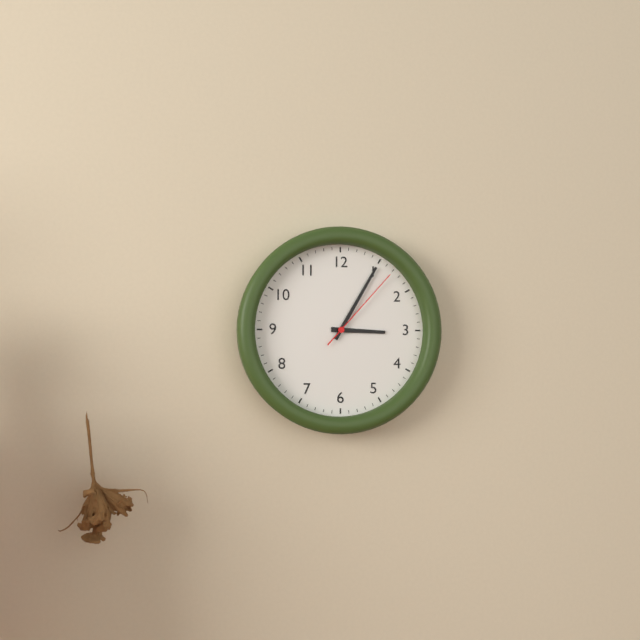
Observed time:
h=3 m=5 s=7
